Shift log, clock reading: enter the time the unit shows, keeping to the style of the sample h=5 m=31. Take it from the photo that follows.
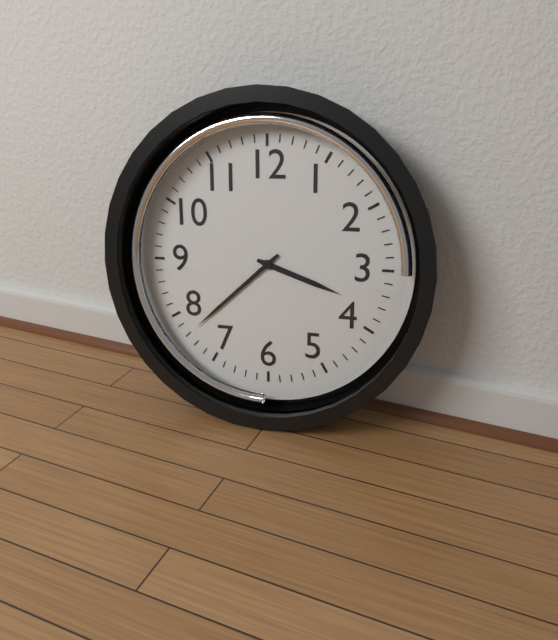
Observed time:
h=3 m=38
